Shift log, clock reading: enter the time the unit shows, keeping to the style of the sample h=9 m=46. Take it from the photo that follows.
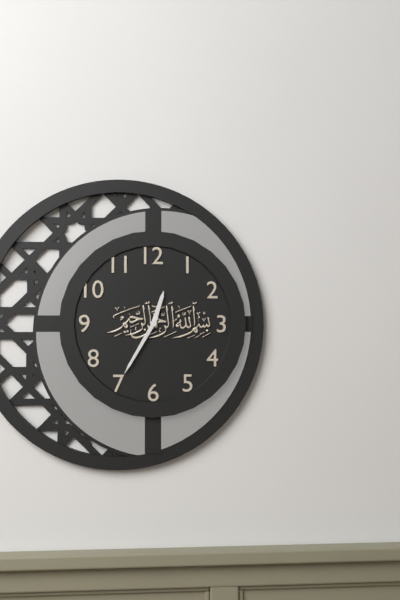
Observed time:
h=12 m=35
